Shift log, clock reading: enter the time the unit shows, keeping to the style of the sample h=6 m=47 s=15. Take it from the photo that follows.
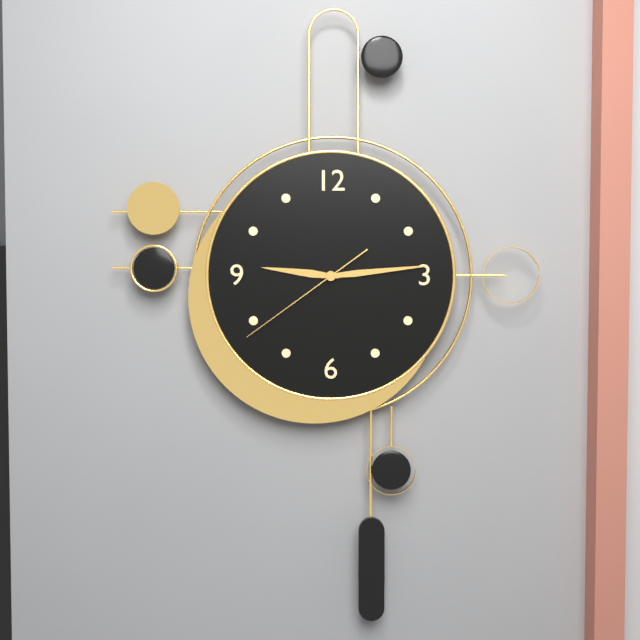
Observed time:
h=9 m=14 s=39
